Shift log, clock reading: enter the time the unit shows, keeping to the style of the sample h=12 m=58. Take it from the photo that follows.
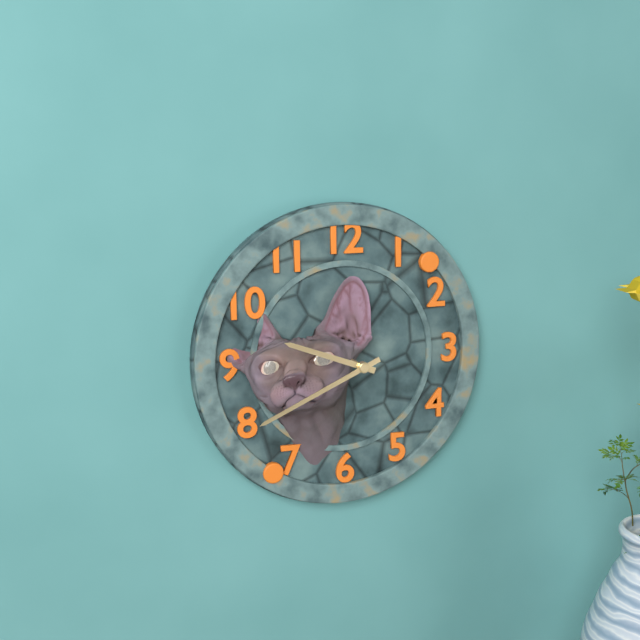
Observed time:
h=9 m=41
